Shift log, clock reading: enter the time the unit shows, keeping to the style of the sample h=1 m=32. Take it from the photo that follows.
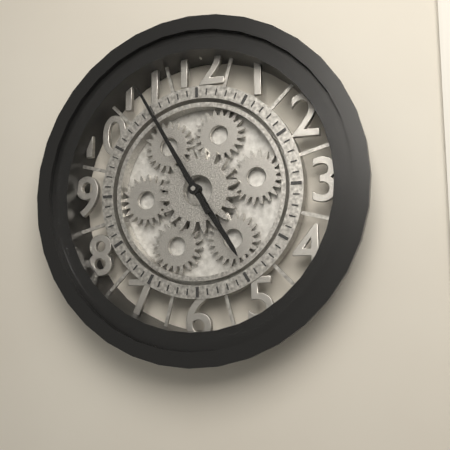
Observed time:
h=4 m=55
